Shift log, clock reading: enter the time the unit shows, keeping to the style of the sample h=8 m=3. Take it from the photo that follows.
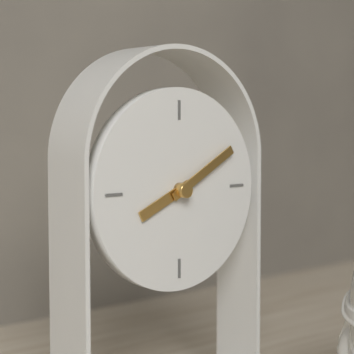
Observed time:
h=8 m=10
